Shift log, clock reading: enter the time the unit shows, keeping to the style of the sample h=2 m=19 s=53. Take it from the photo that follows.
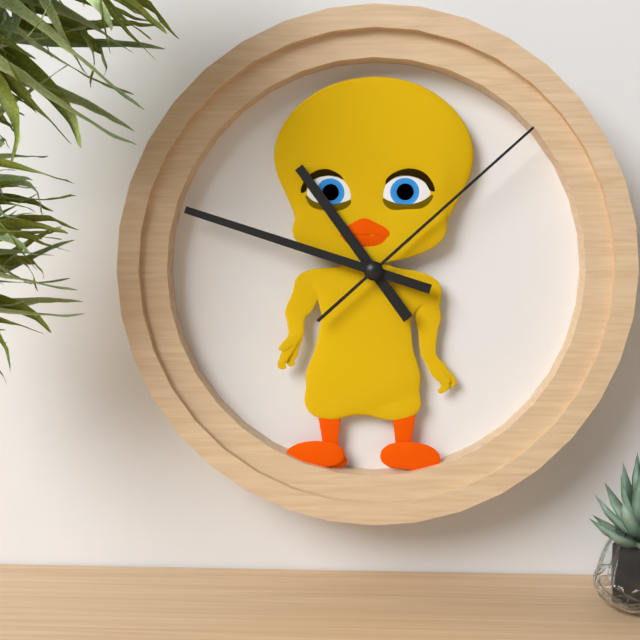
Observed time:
h=10 m=48 s=8
